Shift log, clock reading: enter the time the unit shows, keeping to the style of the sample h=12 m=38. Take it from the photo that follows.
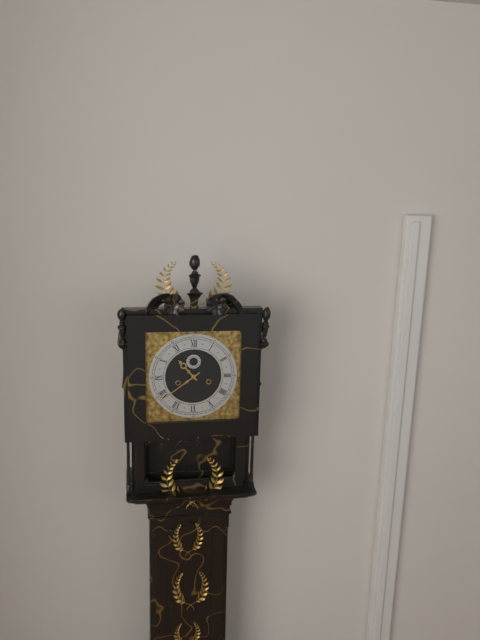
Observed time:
h=10 m=39
